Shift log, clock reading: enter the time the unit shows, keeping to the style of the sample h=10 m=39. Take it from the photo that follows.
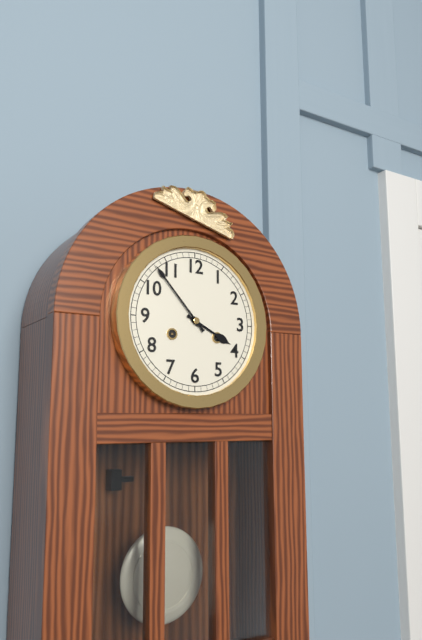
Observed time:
h=3 m=53
